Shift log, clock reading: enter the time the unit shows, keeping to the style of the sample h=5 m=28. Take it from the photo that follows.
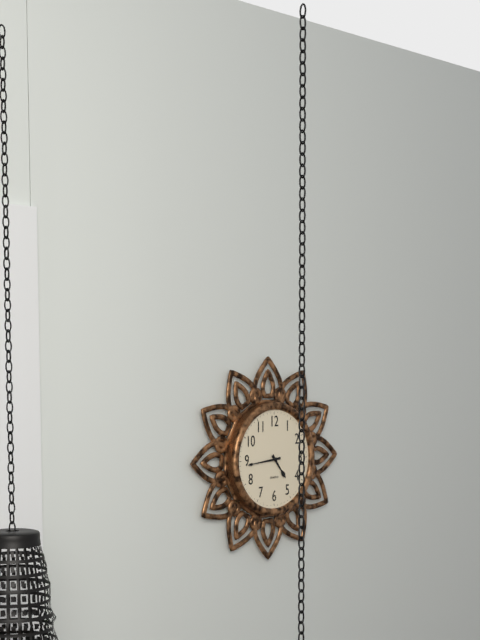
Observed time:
h=4 m=44
